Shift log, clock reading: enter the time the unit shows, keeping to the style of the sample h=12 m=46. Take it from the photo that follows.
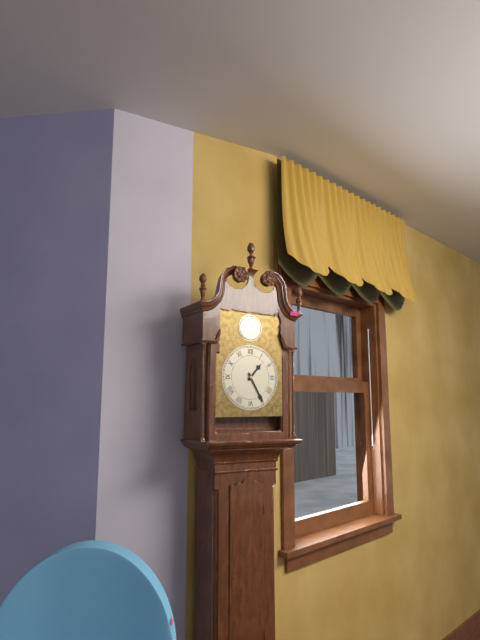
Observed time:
h=1 m=25
